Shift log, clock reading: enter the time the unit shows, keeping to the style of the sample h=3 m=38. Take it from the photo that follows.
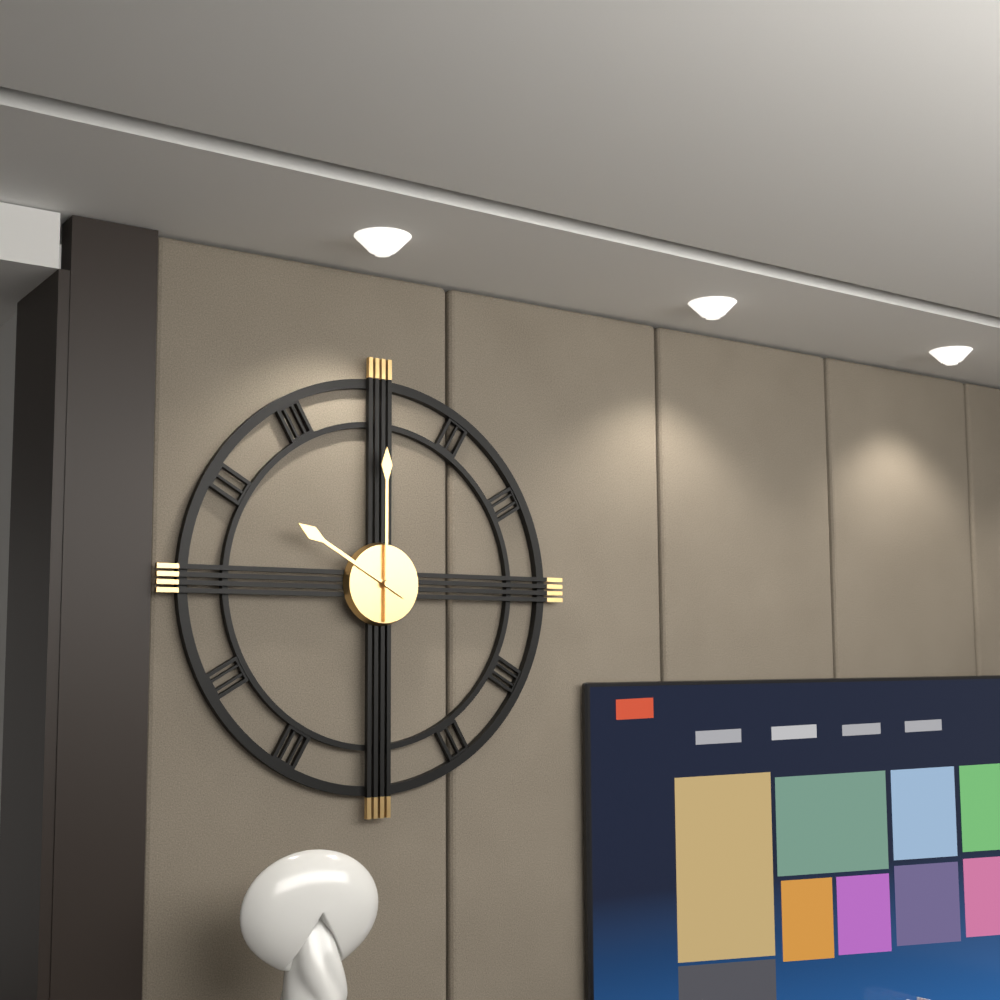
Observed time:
h=10 m=0
